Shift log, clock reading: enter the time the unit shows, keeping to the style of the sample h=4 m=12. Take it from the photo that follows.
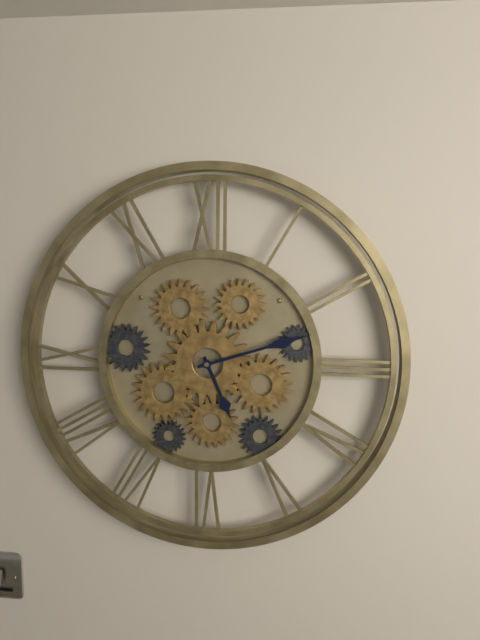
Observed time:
h=5 m=12
